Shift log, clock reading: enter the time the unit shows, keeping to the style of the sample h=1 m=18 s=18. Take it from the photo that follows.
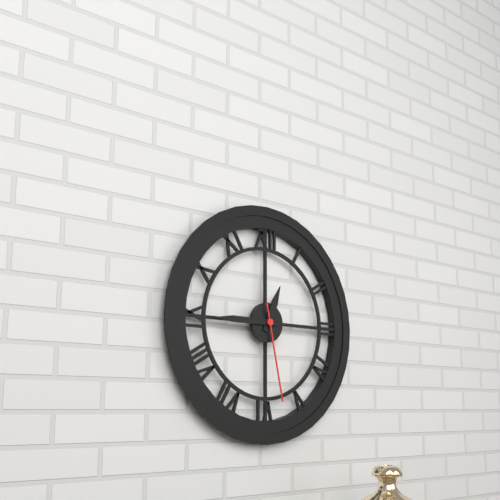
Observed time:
h=12 m=45 s=28
